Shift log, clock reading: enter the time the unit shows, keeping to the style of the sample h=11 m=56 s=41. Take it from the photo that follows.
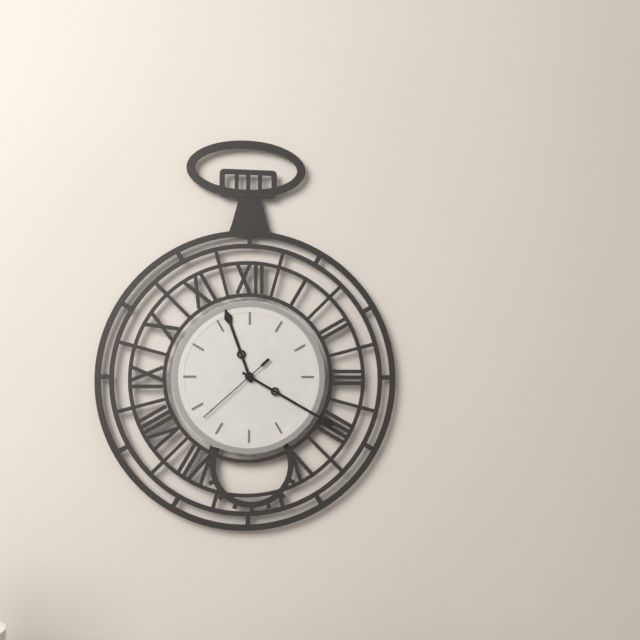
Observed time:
h=11 m=20 s=38
